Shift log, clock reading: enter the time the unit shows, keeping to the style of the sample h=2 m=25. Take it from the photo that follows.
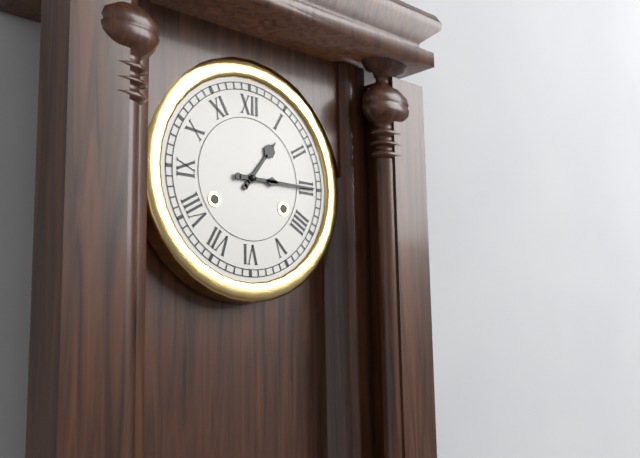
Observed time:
h=1 m=15
